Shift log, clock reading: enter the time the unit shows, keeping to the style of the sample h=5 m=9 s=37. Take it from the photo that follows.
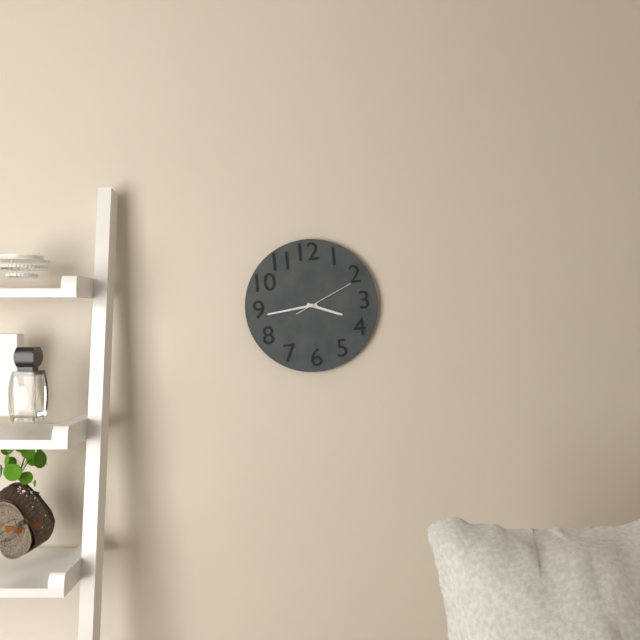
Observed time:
h=3 m=44 s=11
